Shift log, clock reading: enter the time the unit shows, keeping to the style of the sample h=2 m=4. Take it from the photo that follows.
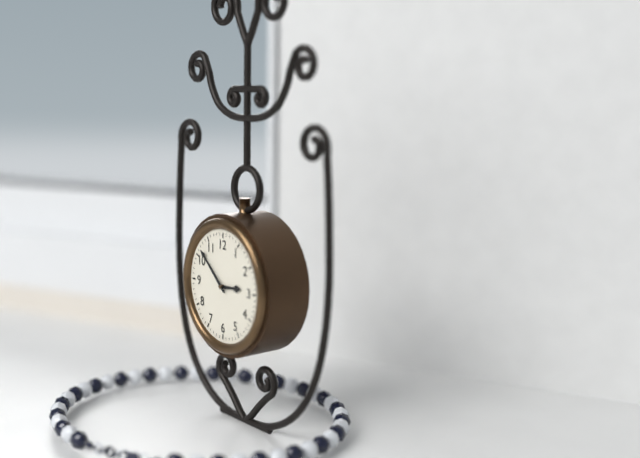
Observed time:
h=2 m=52
